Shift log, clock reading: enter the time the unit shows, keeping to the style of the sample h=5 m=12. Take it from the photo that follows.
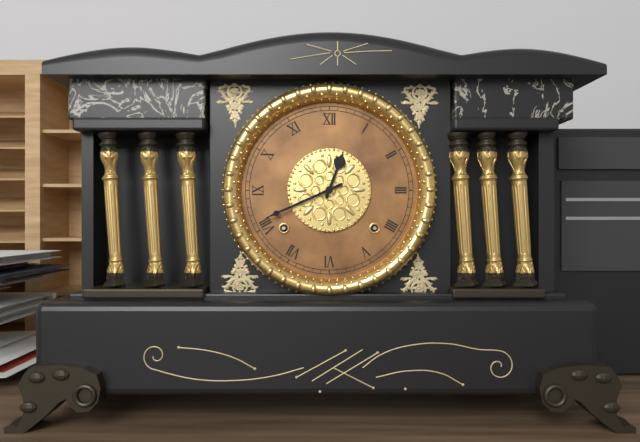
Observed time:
h=12 m=41
